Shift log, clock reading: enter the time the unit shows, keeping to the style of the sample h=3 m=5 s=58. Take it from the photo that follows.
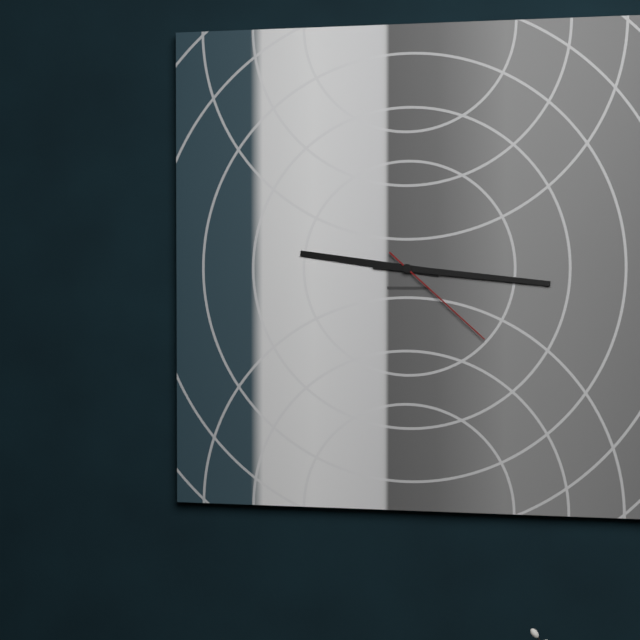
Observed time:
h=9 m=16 s=22
